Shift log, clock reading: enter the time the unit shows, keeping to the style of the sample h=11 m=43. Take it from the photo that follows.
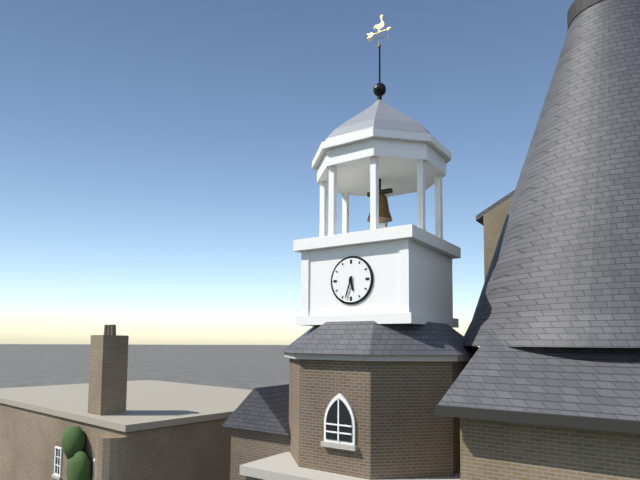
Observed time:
h=5 m=33
